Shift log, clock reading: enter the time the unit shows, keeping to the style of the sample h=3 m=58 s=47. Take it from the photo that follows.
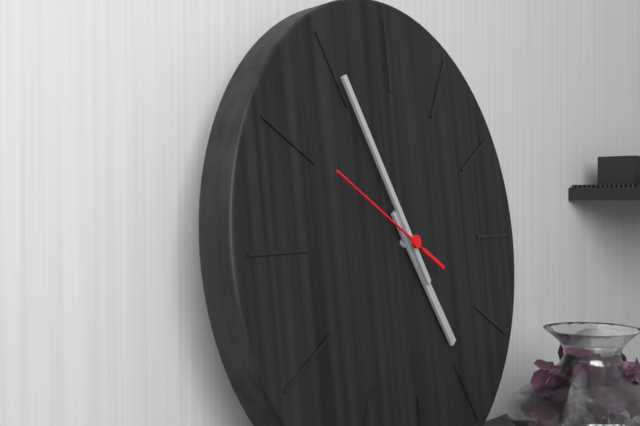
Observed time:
h=4 m=55 s=50
